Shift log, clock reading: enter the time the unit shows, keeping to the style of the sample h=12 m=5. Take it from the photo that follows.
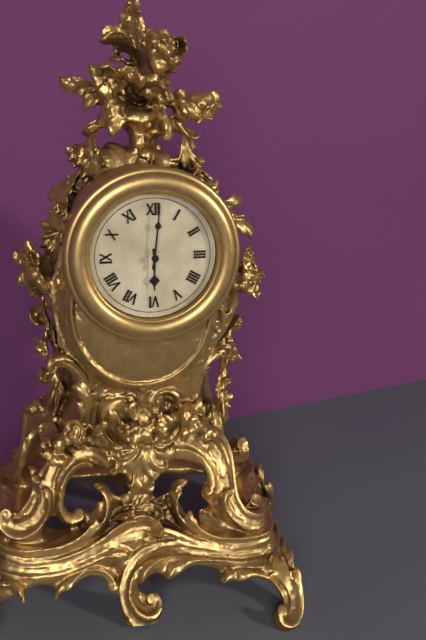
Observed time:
h=6 m=1
